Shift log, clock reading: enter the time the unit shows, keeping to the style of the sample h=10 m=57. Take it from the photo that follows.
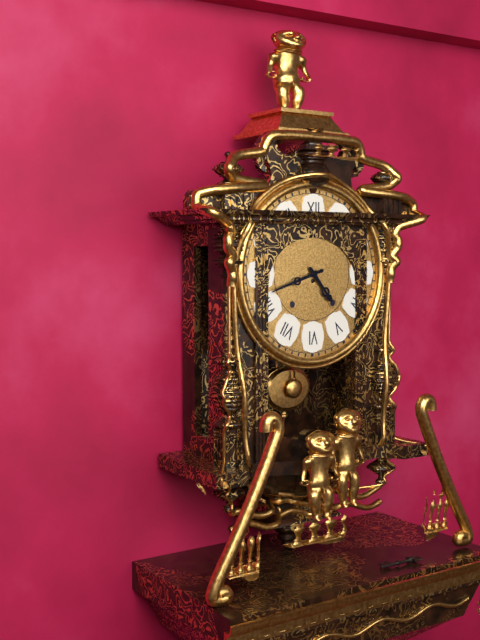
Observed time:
h=4 m=42
